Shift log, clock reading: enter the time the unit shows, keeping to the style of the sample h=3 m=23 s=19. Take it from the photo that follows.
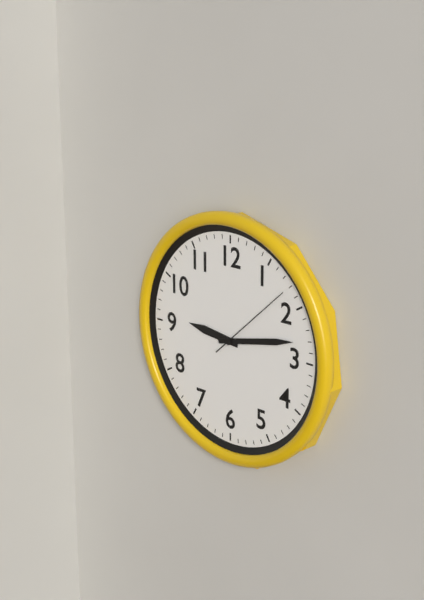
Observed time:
h=9 m=13 s=8
